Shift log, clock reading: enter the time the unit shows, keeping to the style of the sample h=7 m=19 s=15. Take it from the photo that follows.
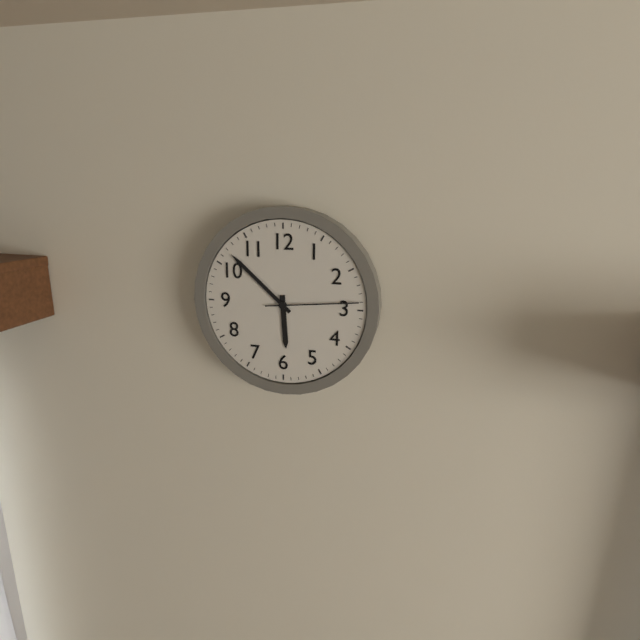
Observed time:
h=5 m=52 s=14
